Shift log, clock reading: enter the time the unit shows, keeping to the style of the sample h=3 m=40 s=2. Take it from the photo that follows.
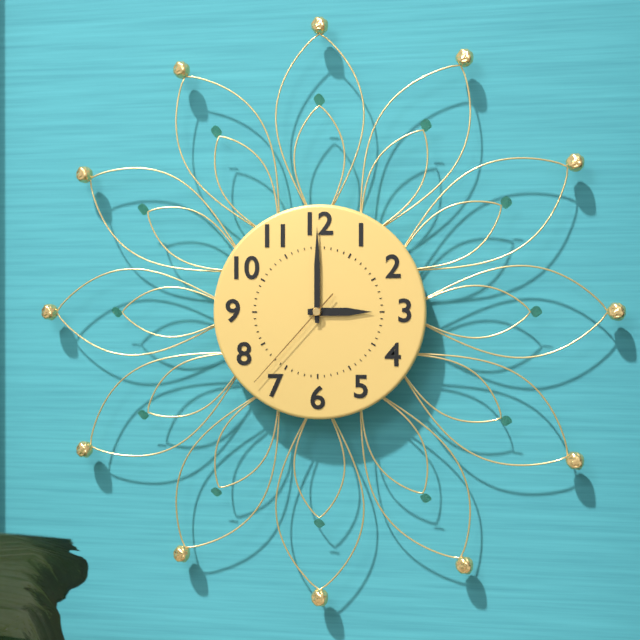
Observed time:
h=3 m=0 s=37
